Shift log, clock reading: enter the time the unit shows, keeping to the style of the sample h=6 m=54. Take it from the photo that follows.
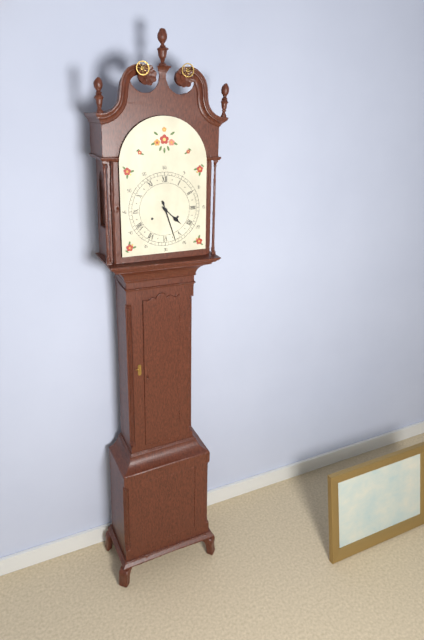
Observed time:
h=4 m=27
